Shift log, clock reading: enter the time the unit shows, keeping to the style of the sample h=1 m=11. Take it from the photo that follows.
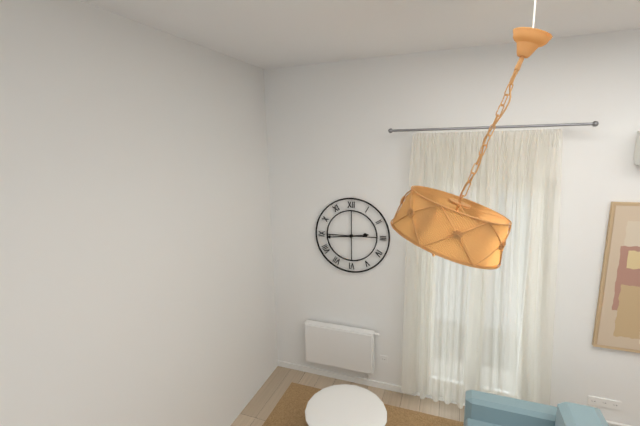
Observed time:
h=2 m=44
